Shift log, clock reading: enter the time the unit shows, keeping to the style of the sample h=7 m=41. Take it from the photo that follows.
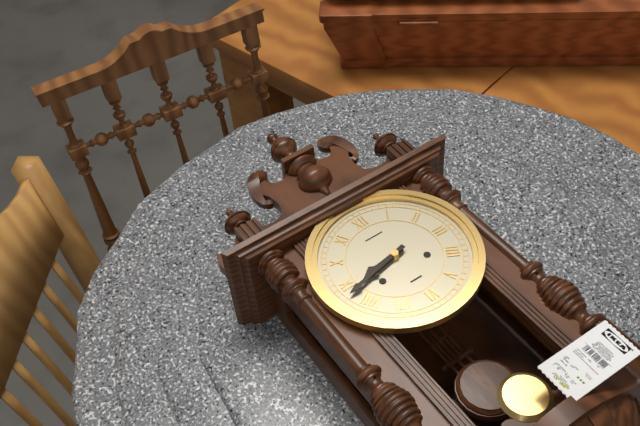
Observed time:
h=8 m=43
